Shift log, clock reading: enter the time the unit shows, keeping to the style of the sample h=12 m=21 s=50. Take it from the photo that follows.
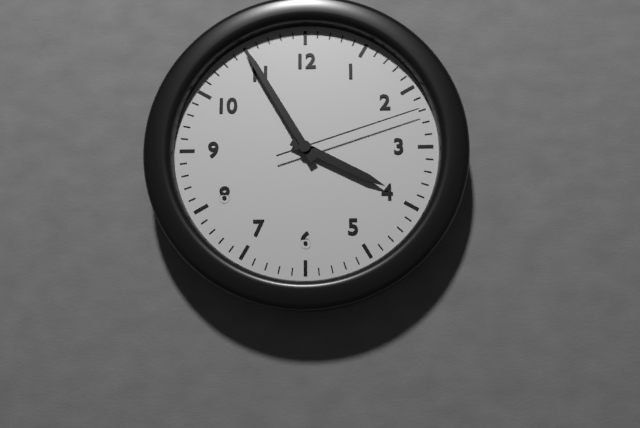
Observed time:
h=3 m=55 s=12
